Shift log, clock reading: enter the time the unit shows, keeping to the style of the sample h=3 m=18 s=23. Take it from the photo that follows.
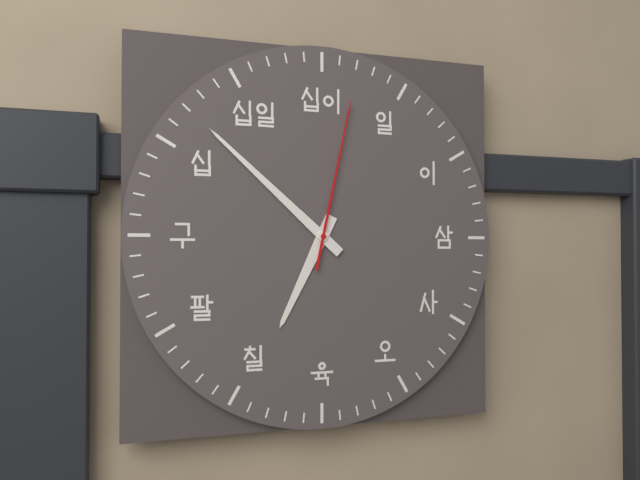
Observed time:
h=6 m=52 s=2
